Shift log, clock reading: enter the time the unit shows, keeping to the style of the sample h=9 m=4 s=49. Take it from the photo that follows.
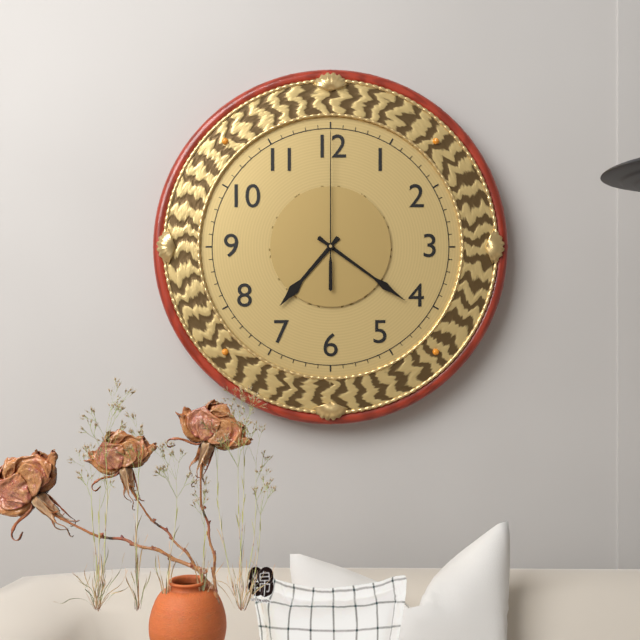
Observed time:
h=7 m=21 s=0
